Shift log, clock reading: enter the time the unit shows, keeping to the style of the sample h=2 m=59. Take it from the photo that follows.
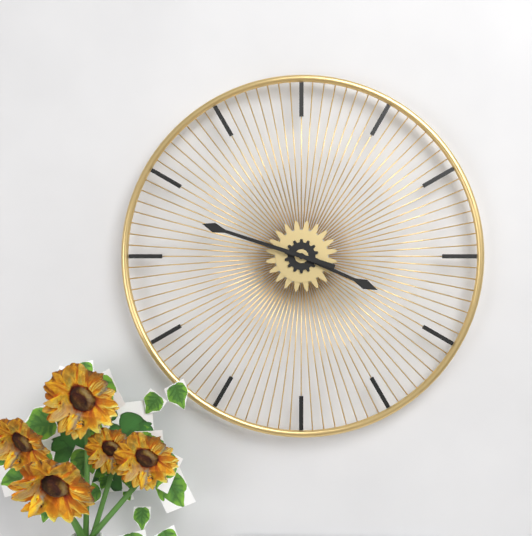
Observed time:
h=3 m=48
